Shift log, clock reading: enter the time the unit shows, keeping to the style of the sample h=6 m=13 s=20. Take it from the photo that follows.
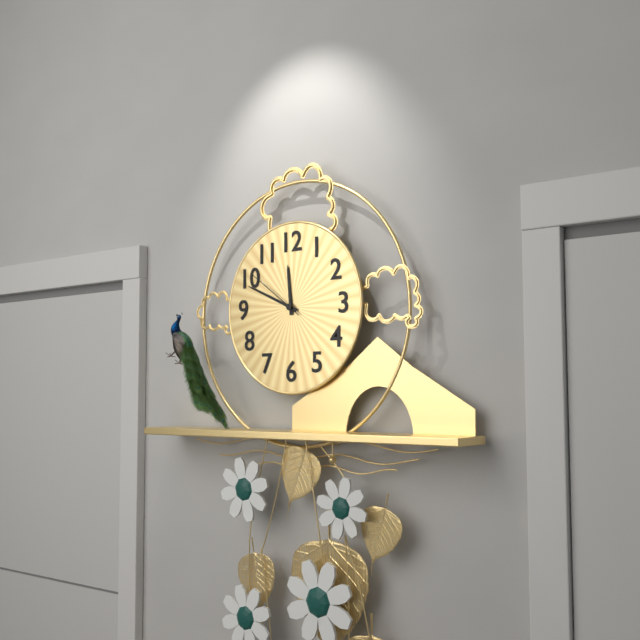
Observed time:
h=11 m=49 s=51
